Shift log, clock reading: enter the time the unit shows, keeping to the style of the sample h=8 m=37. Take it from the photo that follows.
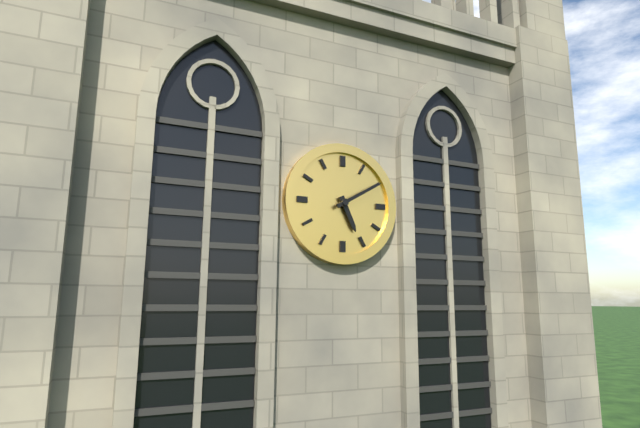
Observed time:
h=5 m=10
